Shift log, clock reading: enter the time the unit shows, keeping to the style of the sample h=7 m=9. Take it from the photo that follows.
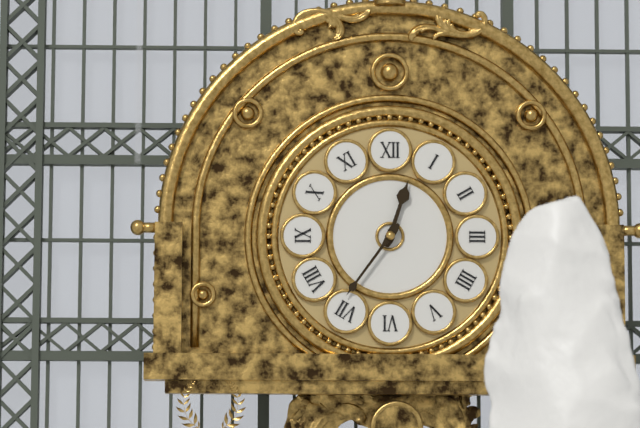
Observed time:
h=12 m=36
